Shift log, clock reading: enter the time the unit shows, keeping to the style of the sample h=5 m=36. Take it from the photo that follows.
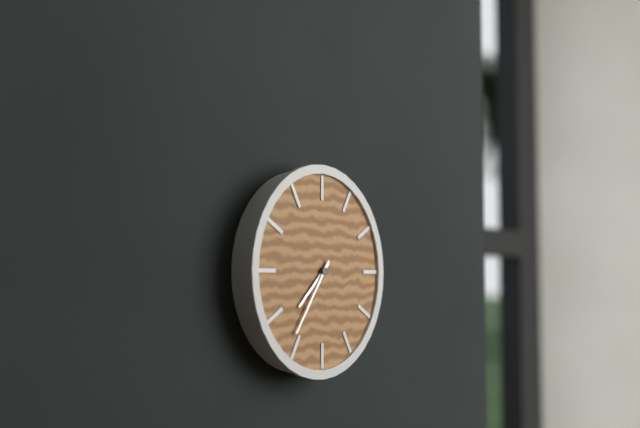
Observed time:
h=7 m=36
